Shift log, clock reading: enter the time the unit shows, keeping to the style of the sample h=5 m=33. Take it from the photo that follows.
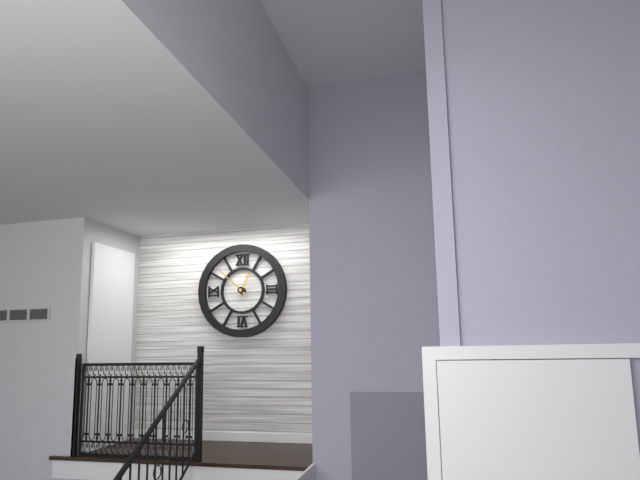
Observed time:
h=12 m=52
